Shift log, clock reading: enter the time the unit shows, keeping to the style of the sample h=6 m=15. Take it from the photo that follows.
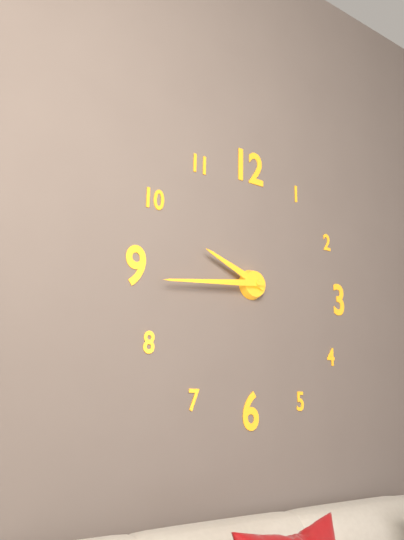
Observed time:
h=9 m=44
